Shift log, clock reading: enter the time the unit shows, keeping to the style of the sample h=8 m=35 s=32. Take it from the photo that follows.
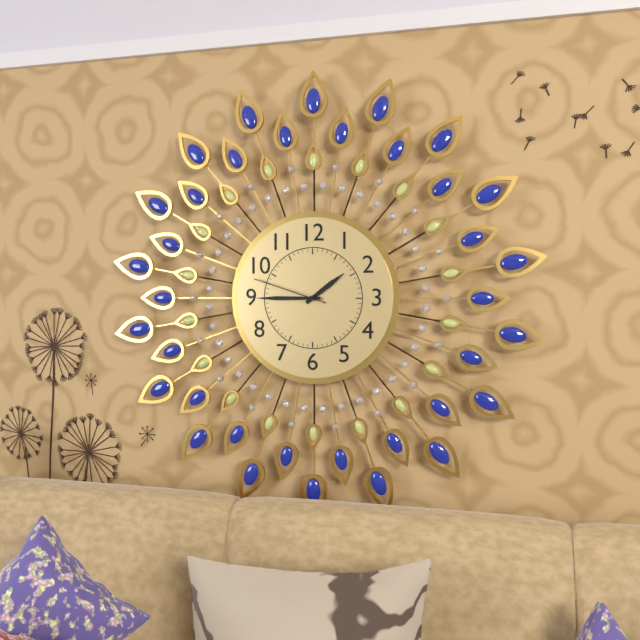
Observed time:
h=1 m=45 s=48
